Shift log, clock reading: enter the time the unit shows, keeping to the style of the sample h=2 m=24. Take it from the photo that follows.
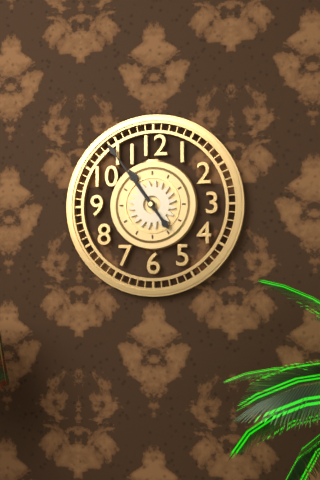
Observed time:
h=10 m=54
